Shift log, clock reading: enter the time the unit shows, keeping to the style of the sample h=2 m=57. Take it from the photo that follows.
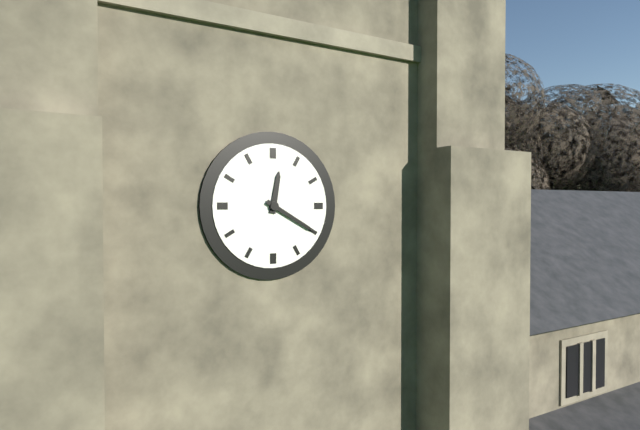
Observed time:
h=12 m=20
